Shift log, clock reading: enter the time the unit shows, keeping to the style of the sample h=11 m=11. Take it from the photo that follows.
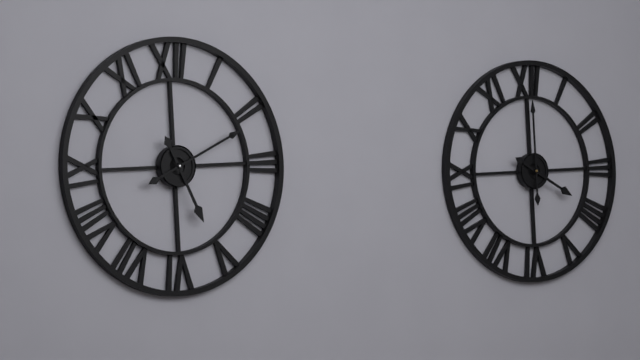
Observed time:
h=5 m=11
